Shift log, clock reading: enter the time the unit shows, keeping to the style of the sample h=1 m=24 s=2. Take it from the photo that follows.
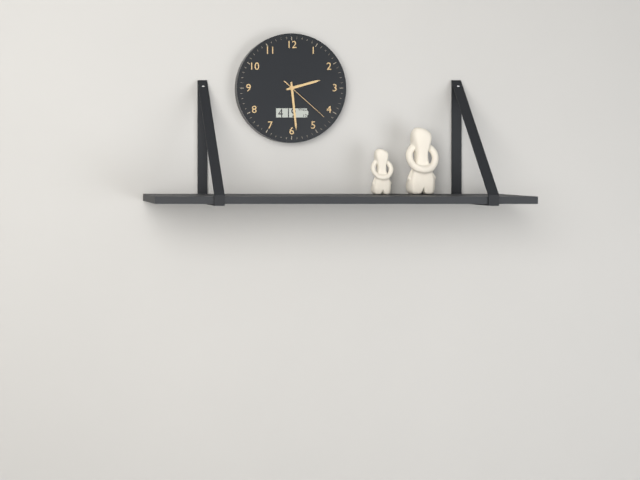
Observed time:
h=2 m=29 s=22
